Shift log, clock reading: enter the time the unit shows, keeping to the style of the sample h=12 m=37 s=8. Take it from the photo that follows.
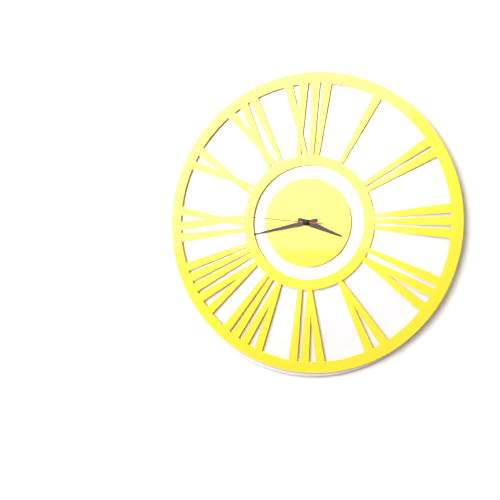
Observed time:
h=3 m=43 s=46
